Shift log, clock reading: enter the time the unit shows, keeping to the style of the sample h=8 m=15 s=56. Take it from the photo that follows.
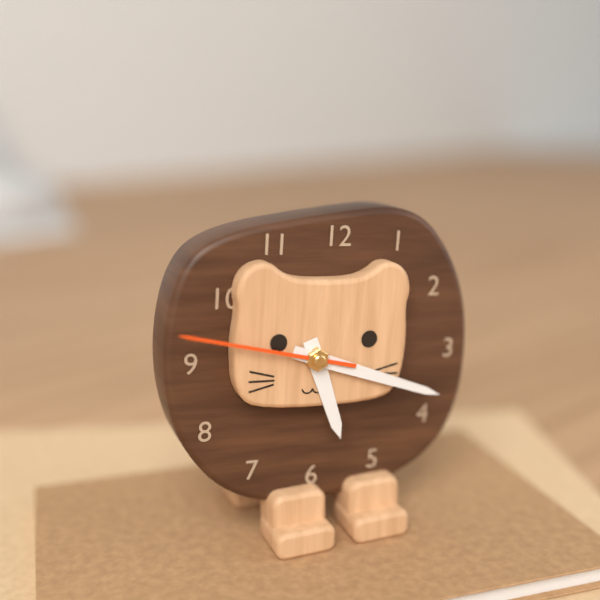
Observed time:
h=5 m=18 s=47
